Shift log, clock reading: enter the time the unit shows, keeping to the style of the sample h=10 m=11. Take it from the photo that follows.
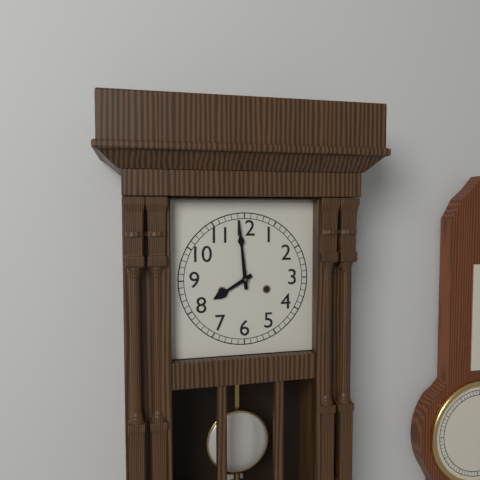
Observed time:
h=7 m=59
